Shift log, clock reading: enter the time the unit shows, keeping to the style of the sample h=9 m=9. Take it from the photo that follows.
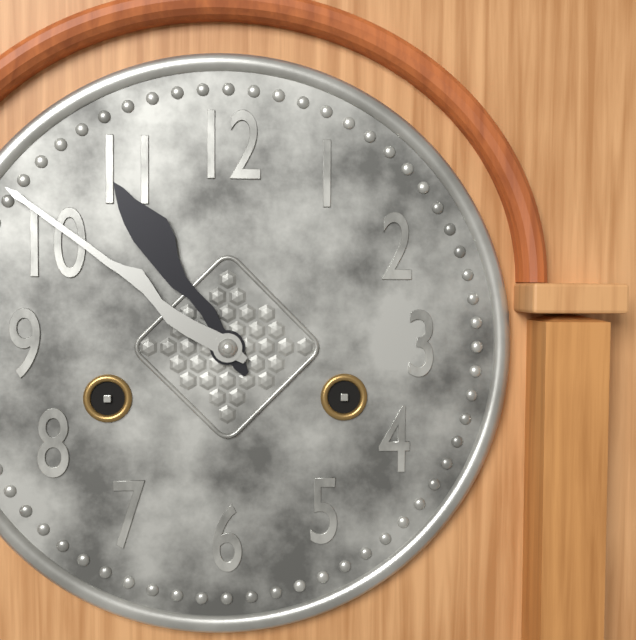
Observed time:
h=10 m=51
